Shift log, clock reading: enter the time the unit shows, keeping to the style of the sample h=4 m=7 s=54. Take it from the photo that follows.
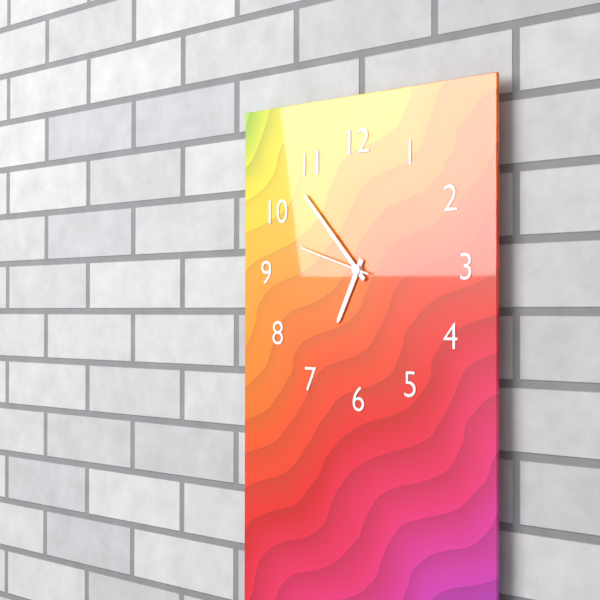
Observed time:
h=6 m=53 s=48
